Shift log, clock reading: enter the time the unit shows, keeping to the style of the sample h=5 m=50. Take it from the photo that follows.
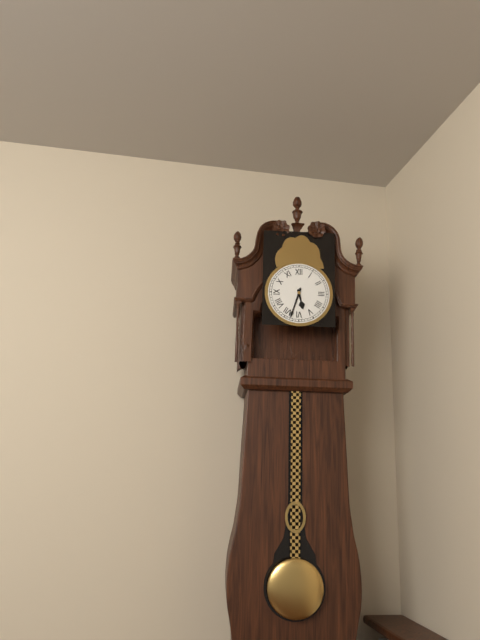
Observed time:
h=5 m=33
